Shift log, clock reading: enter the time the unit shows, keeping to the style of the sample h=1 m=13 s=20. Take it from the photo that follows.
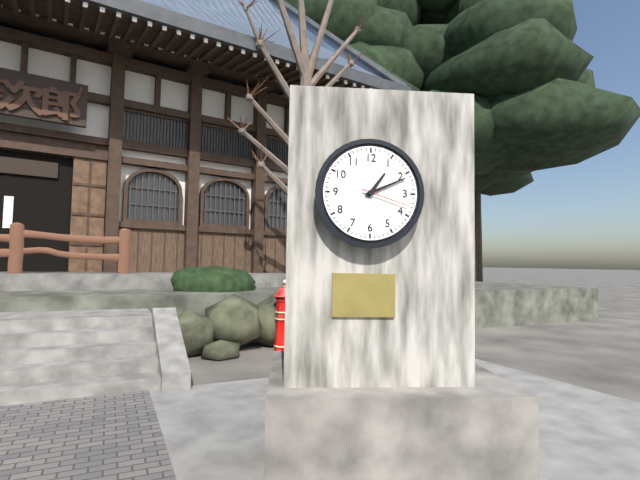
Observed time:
h=1 m=11 s=18
